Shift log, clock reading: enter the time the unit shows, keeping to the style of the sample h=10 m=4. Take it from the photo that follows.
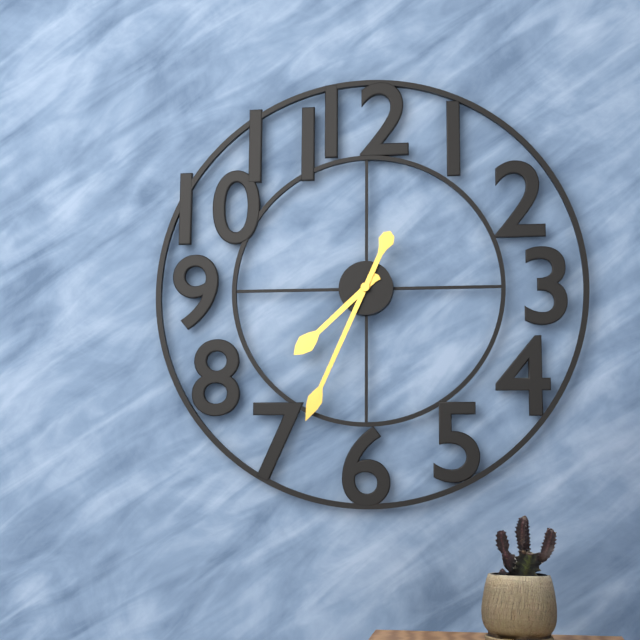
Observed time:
h=7 m=34
